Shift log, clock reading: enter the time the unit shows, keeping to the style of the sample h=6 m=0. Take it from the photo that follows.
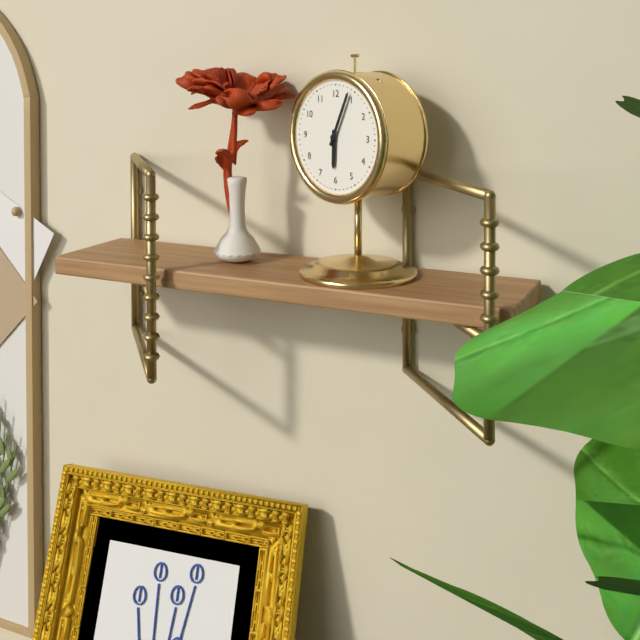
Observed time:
h=6 m=4
